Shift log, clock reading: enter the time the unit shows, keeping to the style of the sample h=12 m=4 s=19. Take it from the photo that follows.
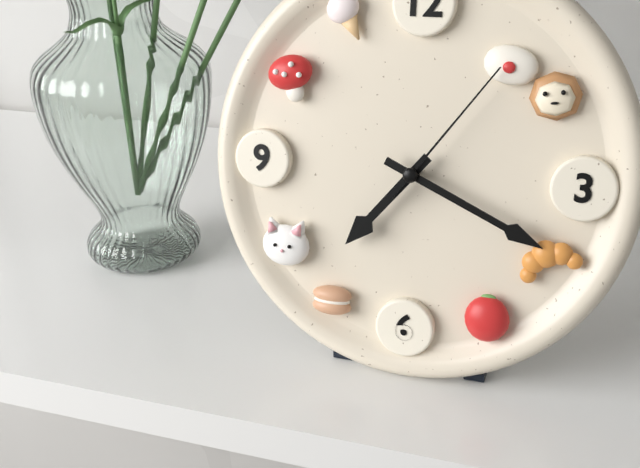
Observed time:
h=7 m=19 s=6
